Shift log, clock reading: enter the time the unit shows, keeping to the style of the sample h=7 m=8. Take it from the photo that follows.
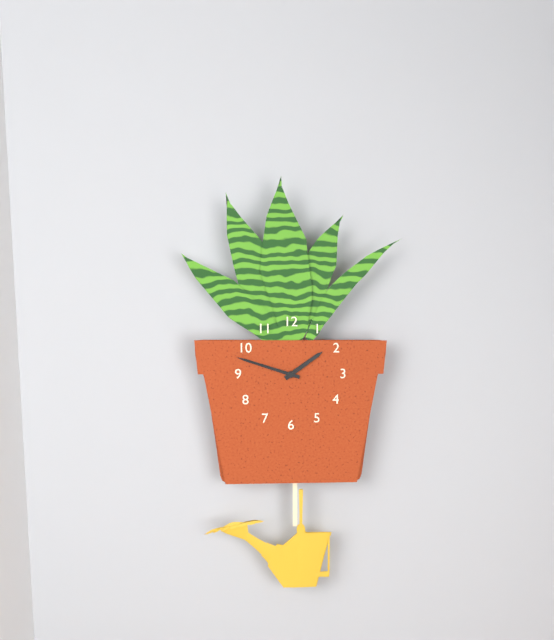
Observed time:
h=1 m=48
